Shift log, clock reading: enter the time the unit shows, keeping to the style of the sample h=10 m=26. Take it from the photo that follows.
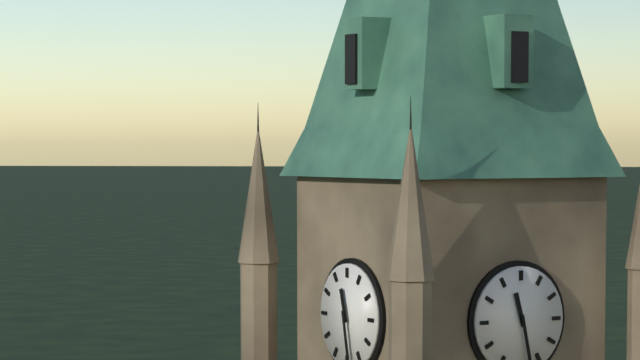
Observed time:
h=11 m=28
